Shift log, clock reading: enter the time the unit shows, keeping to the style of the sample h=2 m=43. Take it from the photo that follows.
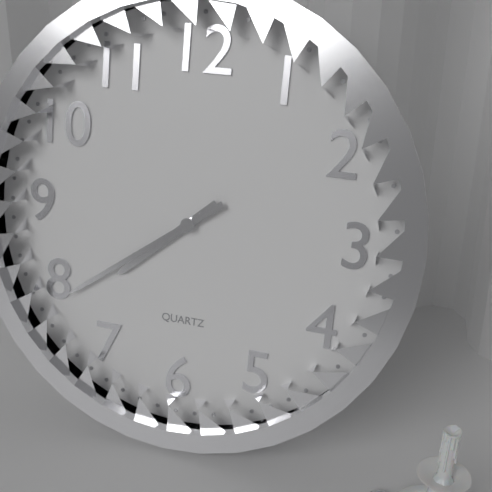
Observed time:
h=7 m=39
